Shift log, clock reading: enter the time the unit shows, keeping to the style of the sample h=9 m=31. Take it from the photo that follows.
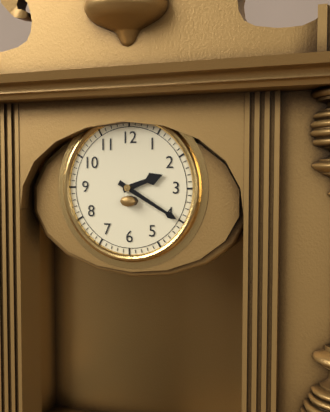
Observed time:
h=2 m=20
